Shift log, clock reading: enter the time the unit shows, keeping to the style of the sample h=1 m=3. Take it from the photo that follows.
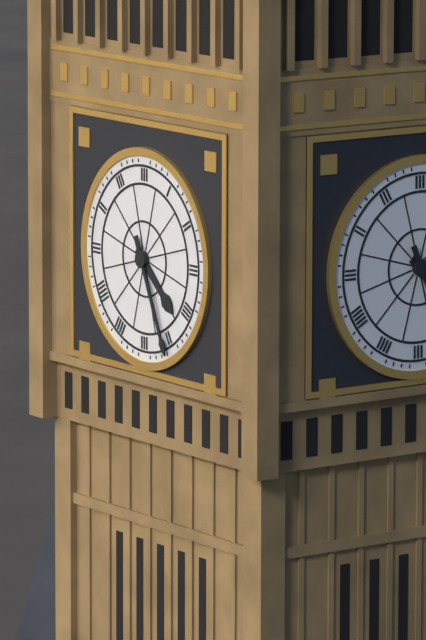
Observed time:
h=4 m=26
